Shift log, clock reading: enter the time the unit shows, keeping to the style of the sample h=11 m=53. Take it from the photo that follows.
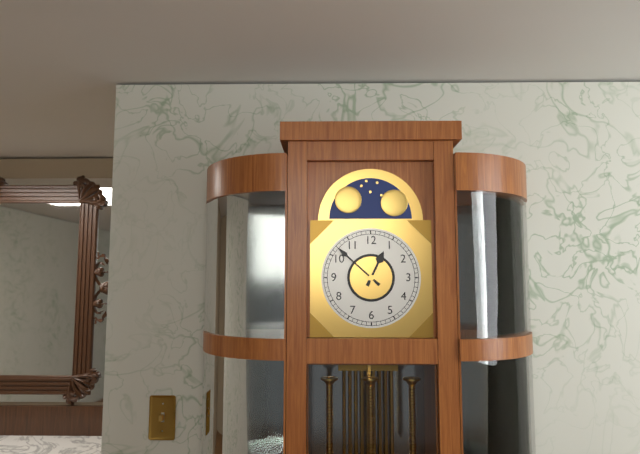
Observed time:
h=12 m=52
